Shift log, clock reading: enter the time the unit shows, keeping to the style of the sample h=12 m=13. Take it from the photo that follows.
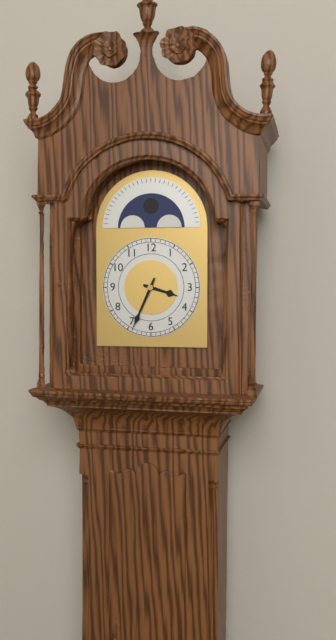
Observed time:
h=3 m=34
